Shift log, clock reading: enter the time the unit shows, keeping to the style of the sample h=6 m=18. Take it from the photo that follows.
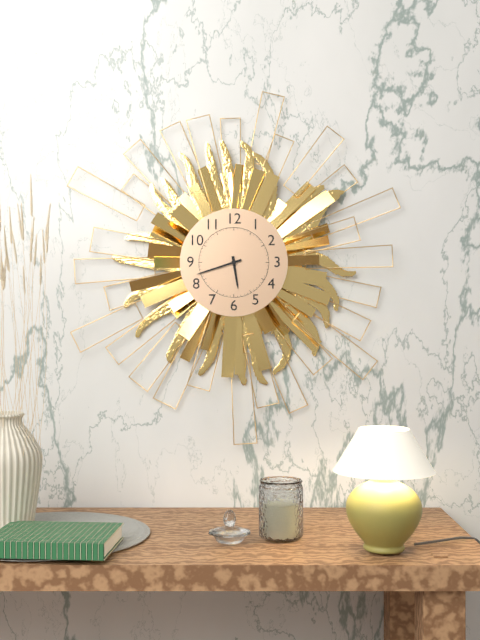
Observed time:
h=5 m=42
